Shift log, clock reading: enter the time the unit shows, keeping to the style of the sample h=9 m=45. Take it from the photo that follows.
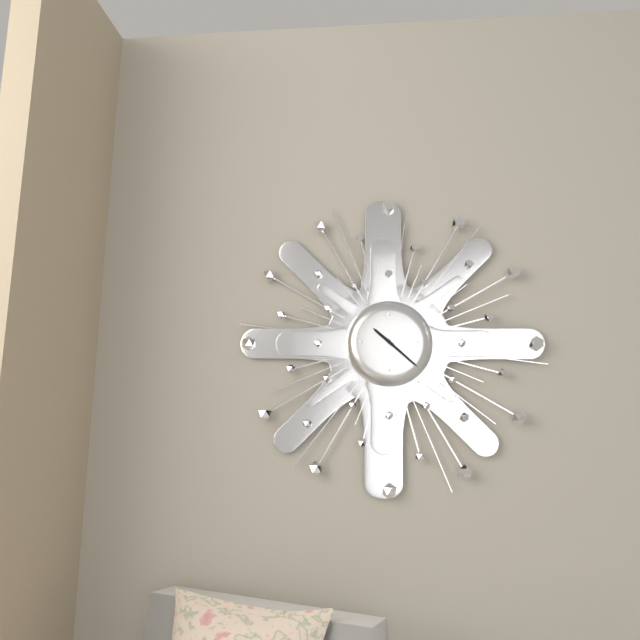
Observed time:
h=10 m=22
